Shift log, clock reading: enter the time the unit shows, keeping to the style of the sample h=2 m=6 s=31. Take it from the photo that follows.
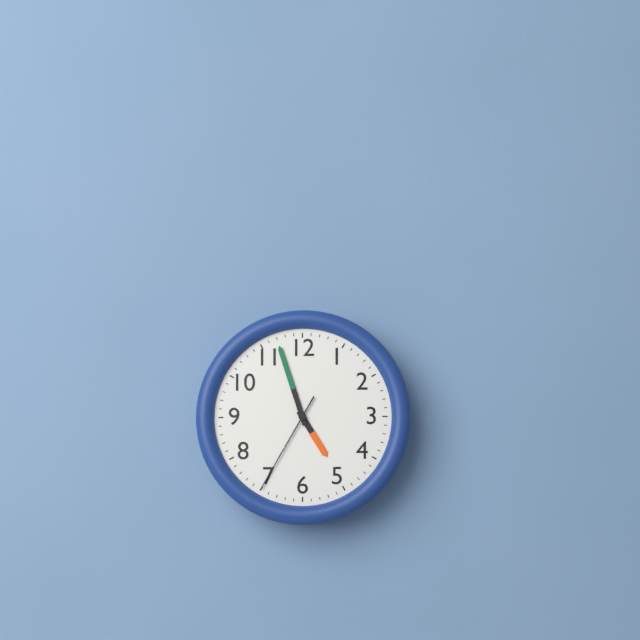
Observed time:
h=4 m=57 s=35
